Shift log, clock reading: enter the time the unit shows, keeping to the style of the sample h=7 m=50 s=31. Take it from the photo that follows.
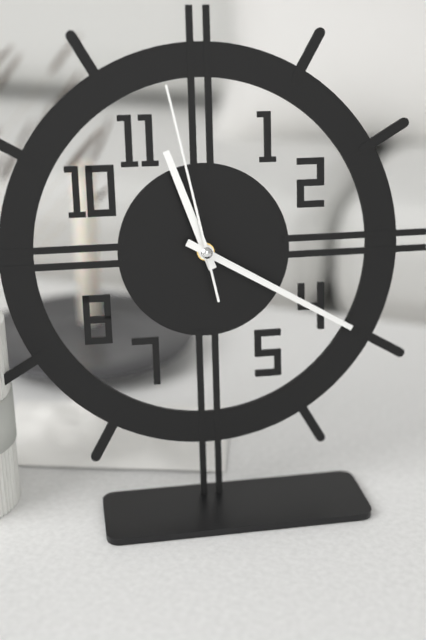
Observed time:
h=11 m=20 s=58
